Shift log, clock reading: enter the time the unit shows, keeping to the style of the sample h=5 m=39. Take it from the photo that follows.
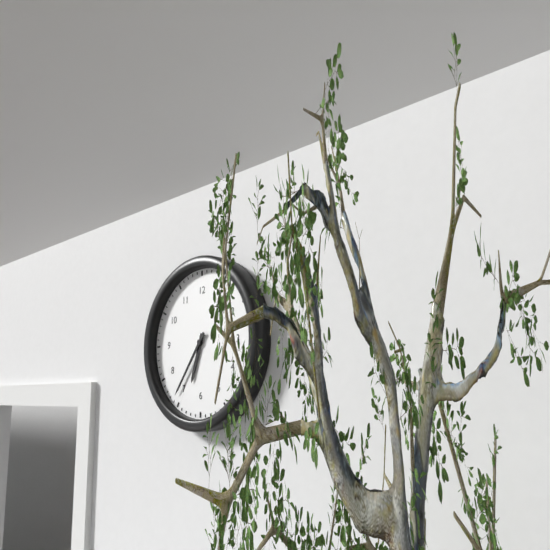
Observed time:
h=6 m=36
